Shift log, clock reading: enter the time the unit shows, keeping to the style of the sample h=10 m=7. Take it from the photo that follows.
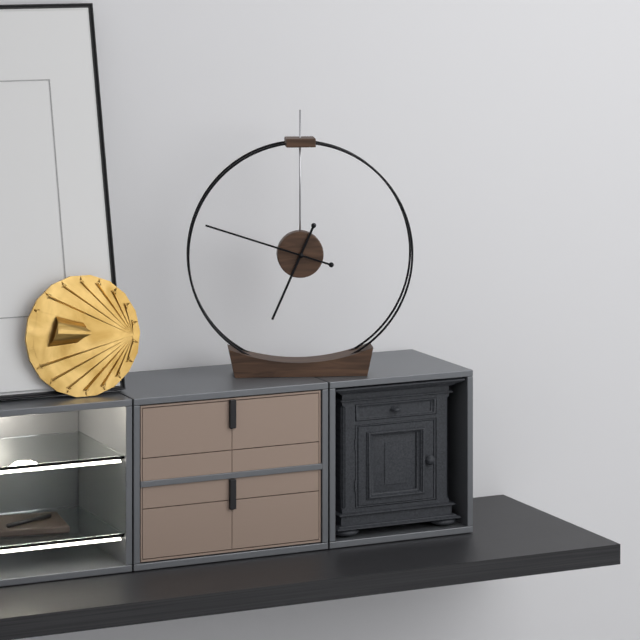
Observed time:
h=6 m=48
